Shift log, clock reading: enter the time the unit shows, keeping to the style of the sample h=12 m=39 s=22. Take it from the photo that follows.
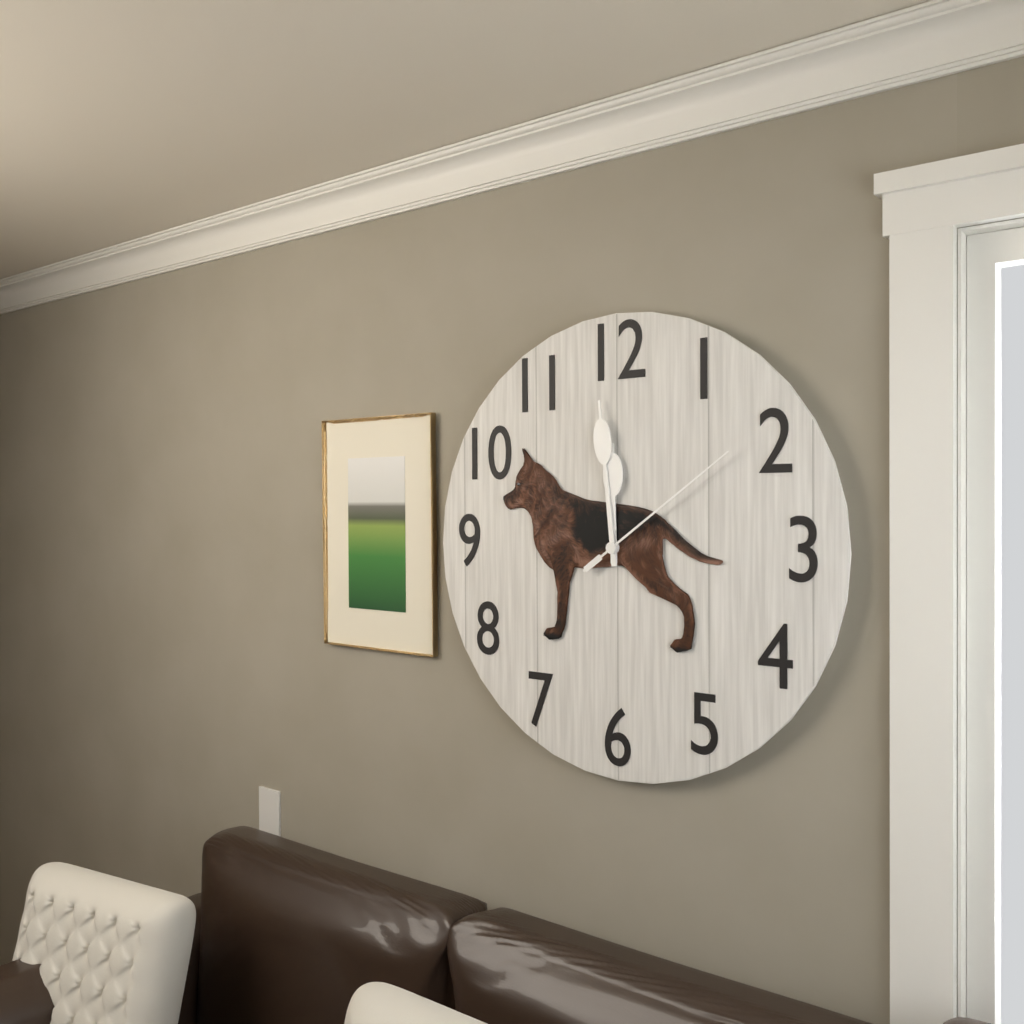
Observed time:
h=11 m=59 s=9
